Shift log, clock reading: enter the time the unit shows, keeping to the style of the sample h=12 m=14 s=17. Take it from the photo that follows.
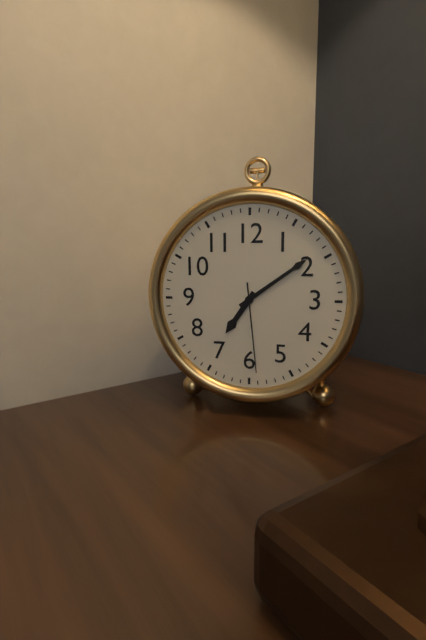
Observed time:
h=7 m=9 s=29
